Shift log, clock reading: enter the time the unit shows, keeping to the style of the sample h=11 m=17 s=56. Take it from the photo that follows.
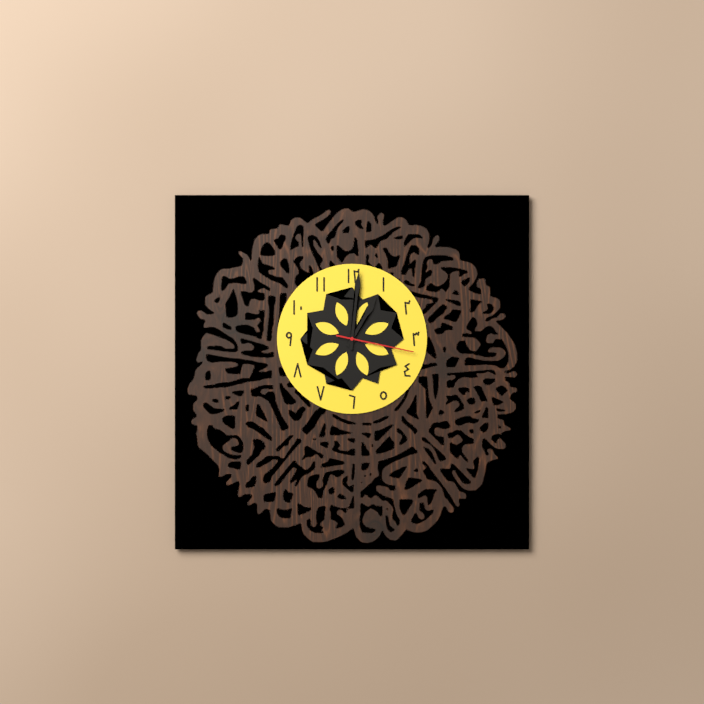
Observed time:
h=1 m=1 s=17
